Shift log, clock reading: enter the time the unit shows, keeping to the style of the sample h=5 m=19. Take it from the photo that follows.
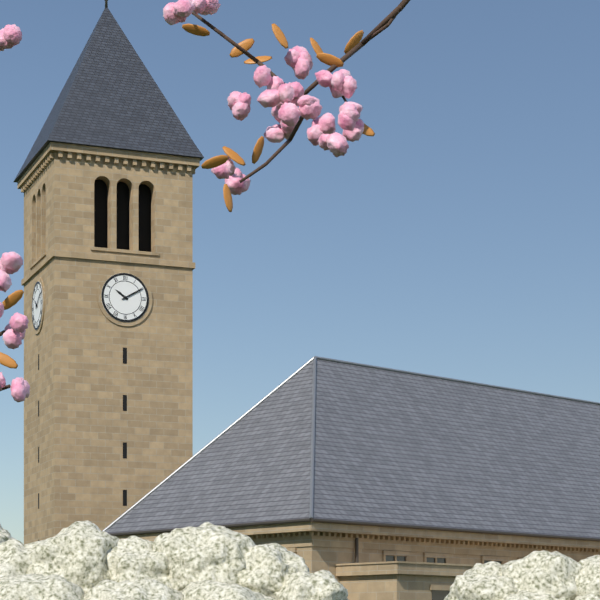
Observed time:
h=10 m=10
